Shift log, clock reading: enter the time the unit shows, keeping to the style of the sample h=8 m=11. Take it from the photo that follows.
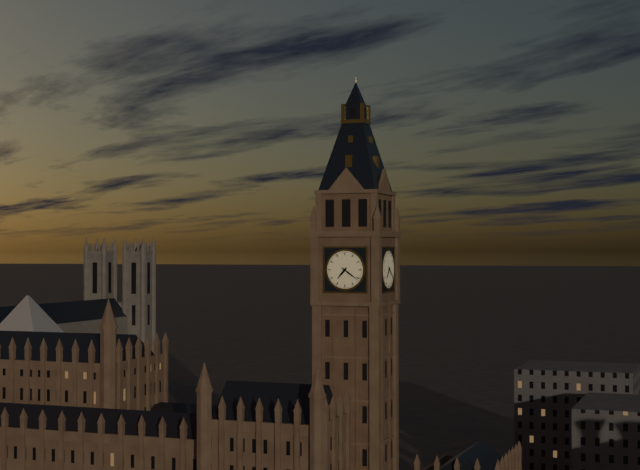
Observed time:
h=7 m=21
